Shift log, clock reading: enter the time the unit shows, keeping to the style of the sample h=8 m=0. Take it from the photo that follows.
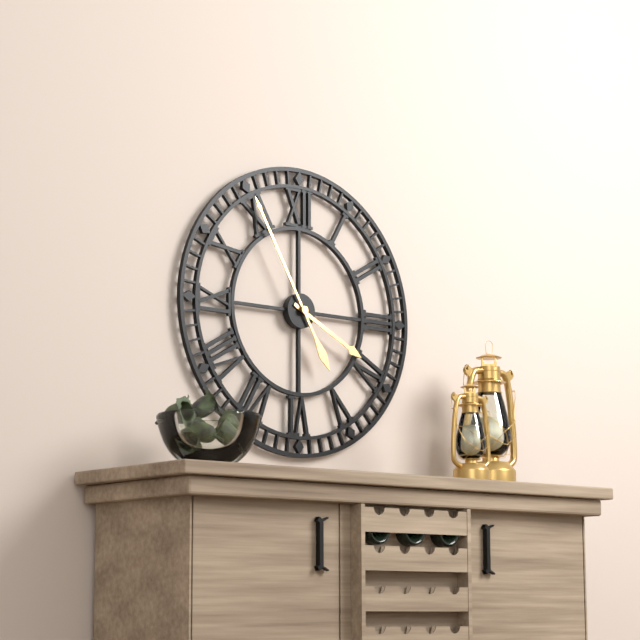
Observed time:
h=3 m=55
